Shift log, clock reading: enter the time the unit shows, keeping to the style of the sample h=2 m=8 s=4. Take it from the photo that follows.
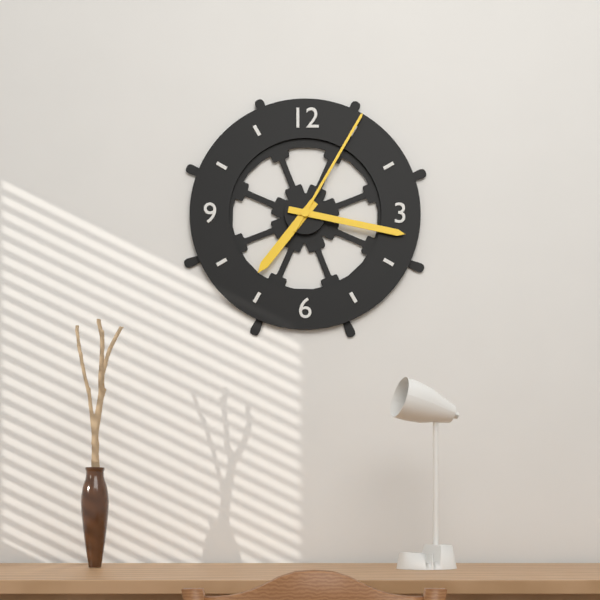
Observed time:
h=7 m=17 s=5
